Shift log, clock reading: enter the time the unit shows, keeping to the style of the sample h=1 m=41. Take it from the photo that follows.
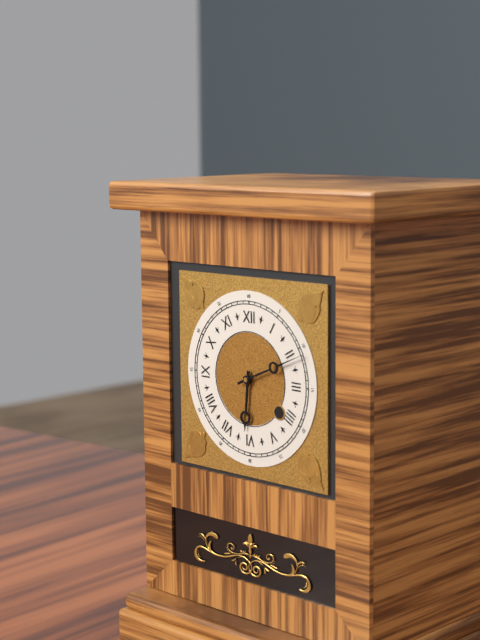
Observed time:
h=6 m=11
